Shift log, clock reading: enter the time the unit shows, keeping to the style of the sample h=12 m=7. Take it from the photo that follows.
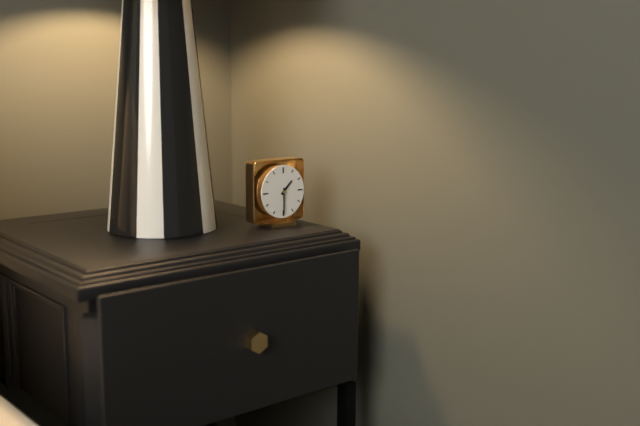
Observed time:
h=1 m=30
